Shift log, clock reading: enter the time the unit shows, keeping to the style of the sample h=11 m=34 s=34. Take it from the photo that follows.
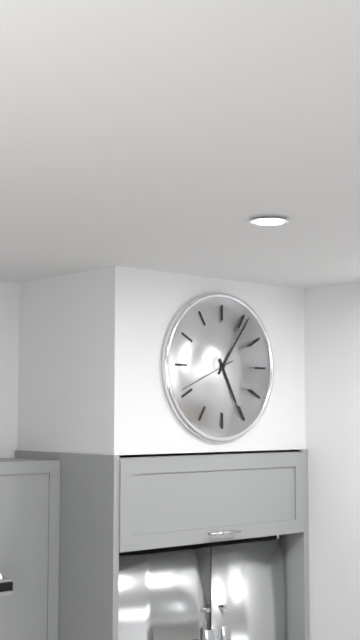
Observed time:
h=5 m=6 s=41
